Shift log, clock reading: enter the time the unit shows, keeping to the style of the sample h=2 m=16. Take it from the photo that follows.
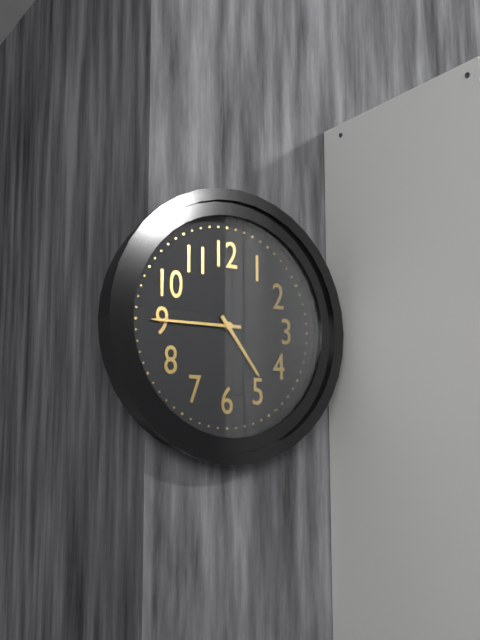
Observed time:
h=4 m=45
